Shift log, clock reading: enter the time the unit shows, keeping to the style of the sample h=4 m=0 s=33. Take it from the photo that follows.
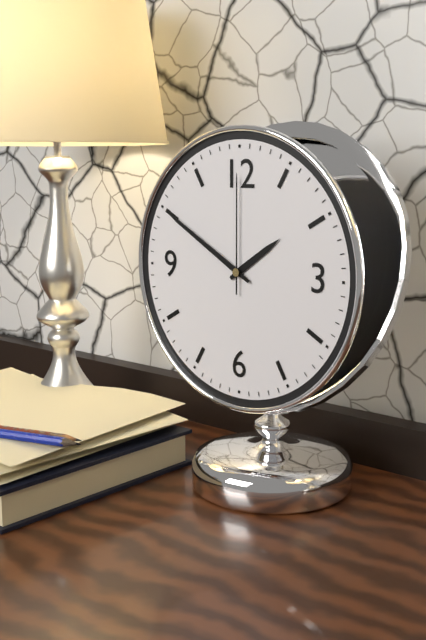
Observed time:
h=1 m=50 s=0
